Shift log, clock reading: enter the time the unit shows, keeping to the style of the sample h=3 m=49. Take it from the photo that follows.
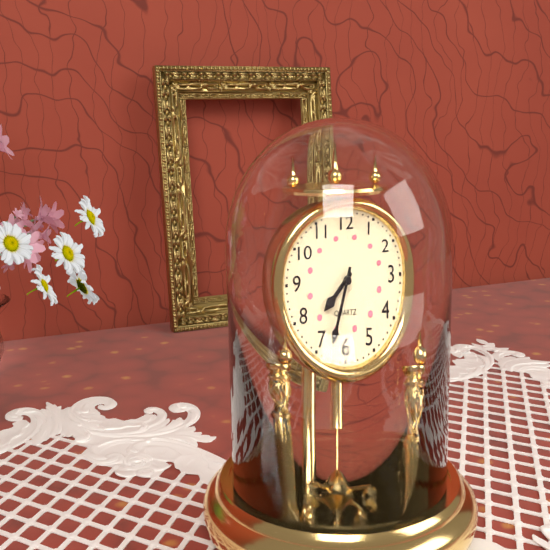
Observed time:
h=7 m=33
